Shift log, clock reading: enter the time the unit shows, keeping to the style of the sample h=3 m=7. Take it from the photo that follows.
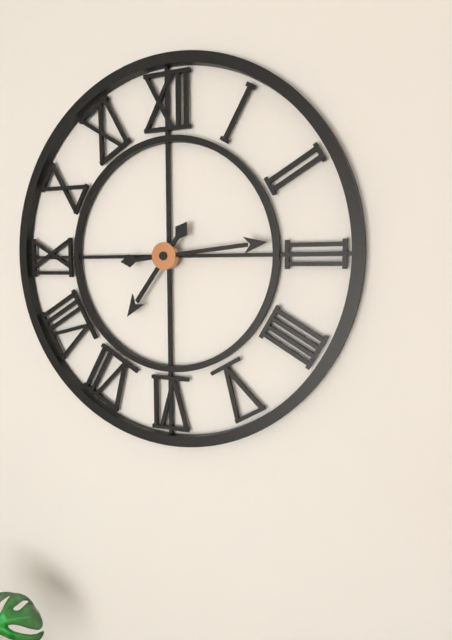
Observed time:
h=7 m=14
